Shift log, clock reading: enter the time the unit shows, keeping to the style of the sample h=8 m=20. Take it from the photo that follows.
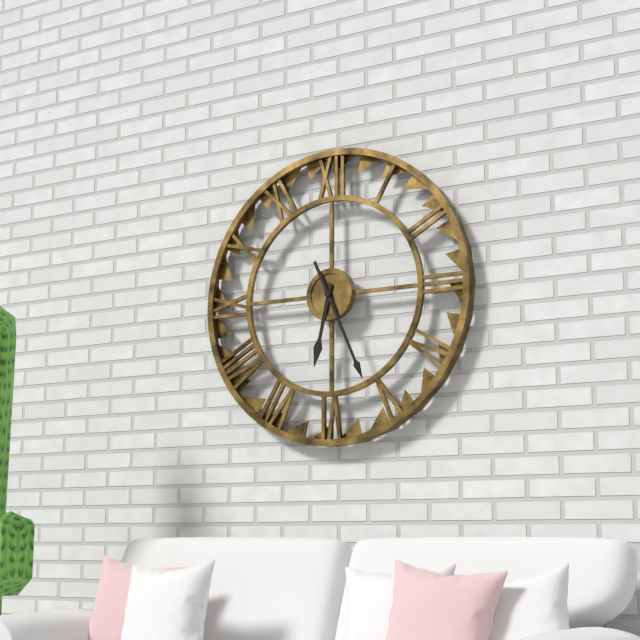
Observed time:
h=6 m=26
